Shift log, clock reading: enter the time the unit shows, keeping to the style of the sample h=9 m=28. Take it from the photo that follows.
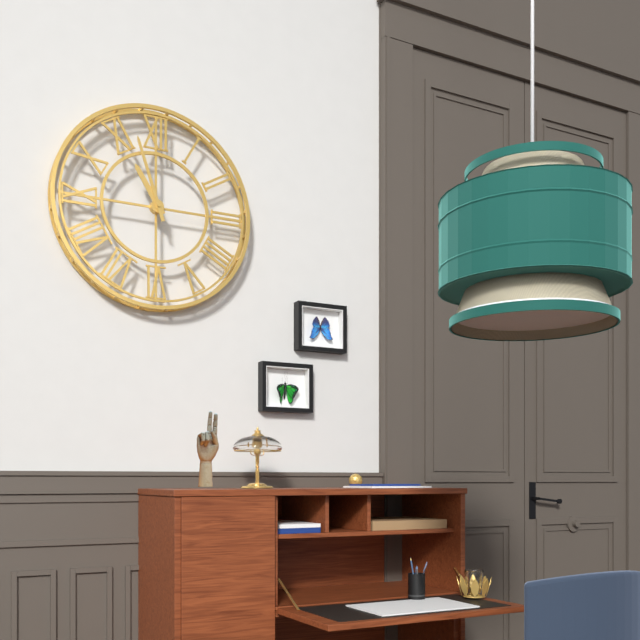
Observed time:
h=10 m=57
